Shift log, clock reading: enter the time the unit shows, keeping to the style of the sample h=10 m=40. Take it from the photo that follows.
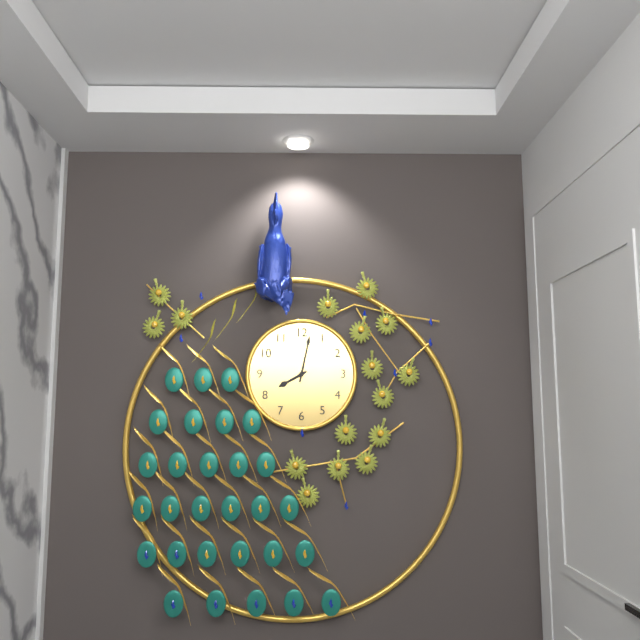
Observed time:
h=8 m=2
